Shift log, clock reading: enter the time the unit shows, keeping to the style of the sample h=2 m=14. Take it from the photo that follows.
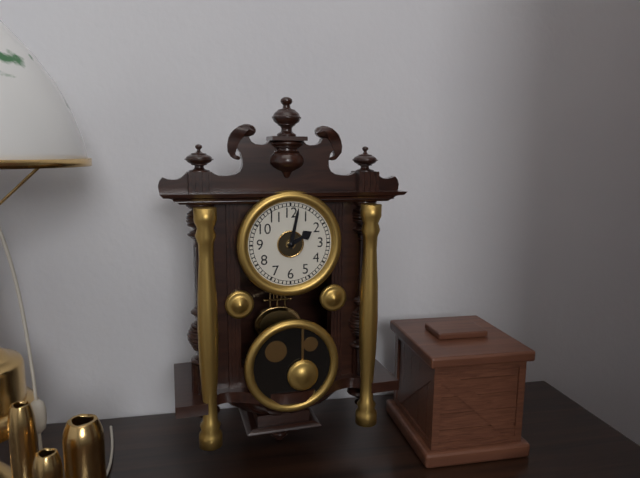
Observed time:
h=2 m=2
